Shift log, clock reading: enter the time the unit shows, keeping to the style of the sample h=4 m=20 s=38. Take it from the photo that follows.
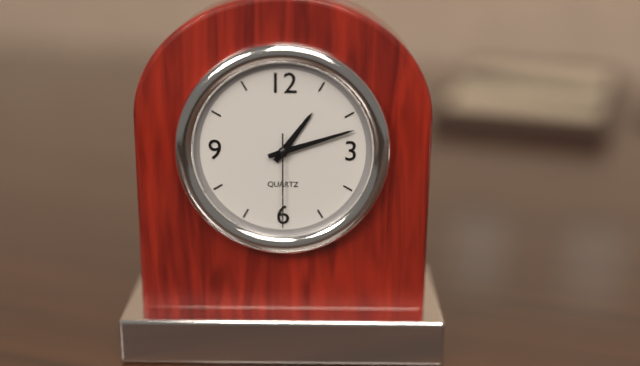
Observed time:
h=1 m=12 s=30
